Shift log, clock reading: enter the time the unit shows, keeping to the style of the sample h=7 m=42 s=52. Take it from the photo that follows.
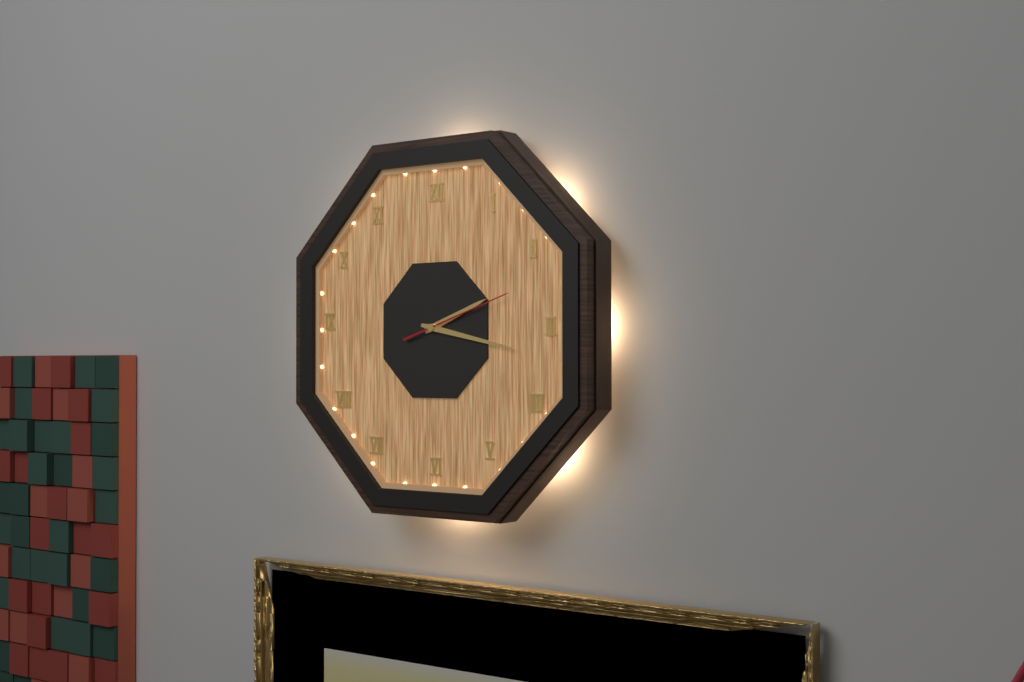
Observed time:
h=2 m=17 s=12
